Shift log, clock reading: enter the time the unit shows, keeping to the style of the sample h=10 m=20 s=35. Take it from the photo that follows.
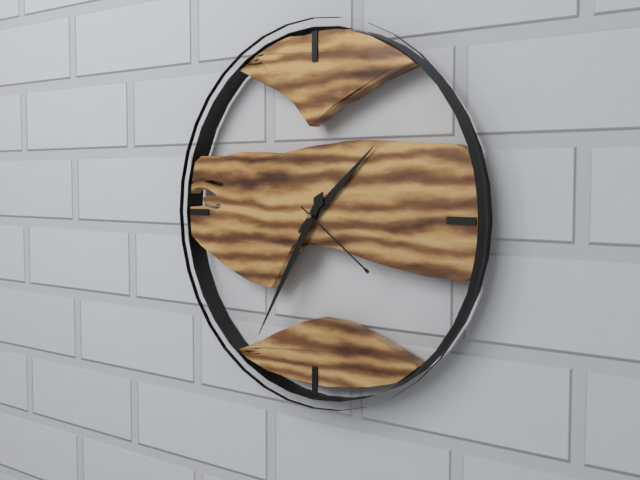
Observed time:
h=1 m=35 s=21
